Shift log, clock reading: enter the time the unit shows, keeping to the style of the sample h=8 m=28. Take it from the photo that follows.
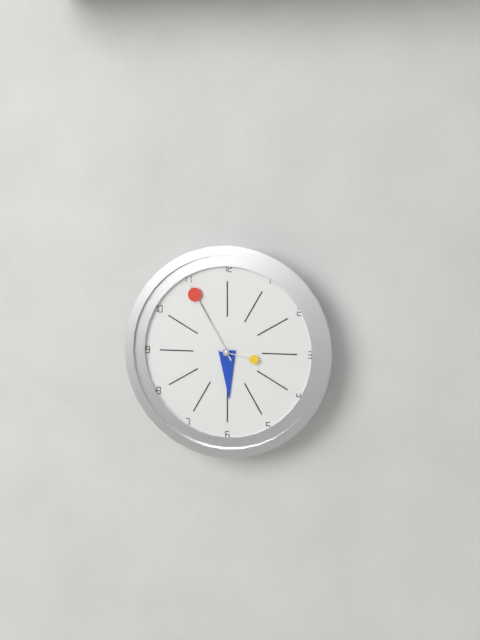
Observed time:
h=5 m=55
